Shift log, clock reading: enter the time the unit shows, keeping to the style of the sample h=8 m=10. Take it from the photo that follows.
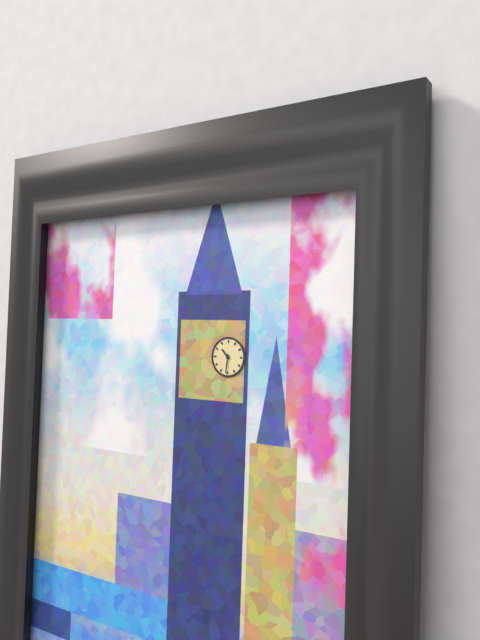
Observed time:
h=10 m=31
